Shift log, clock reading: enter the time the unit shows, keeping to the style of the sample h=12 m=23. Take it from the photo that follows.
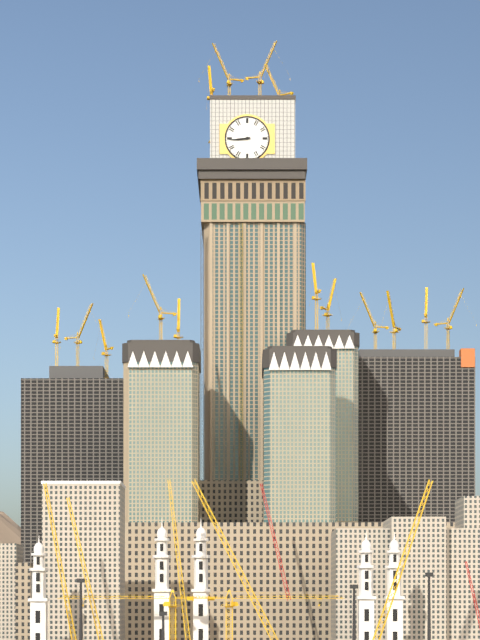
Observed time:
h=8 m=44
